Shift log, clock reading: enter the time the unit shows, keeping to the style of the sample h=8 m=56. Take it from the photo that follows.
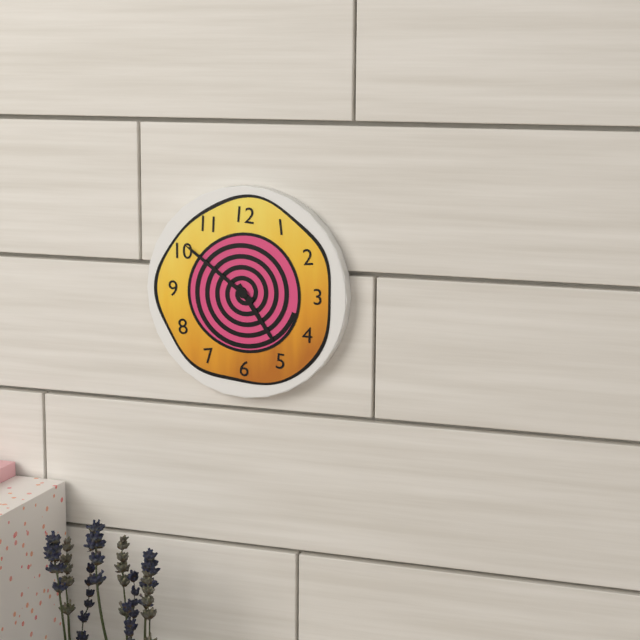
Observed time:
h=4 m=51
